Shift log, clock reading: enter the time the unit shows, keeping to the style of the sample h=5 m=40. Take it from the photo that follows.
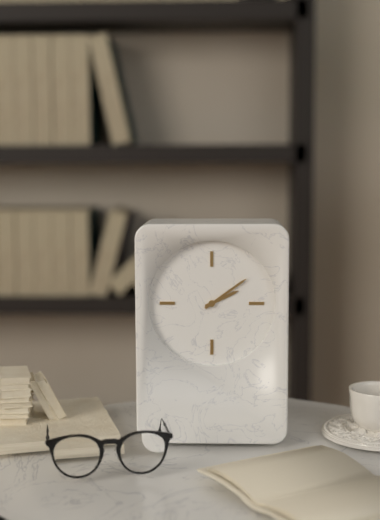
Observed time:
h=2 m=9
